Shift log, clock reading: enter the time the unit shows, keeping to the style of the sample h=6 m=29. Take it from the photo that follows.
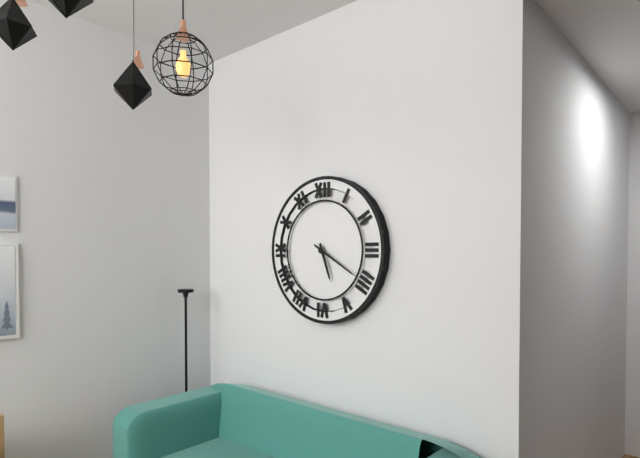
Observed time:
h=5 m=20
